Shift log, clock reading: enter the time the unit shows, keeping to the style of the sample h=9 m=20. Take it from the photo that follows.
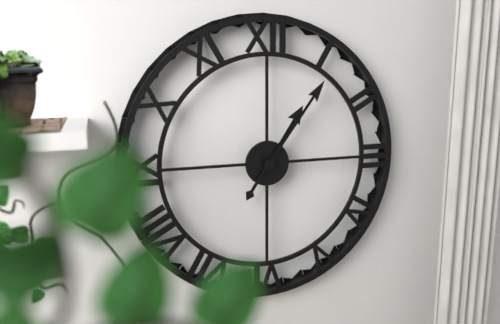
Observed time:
h=1 m=6
